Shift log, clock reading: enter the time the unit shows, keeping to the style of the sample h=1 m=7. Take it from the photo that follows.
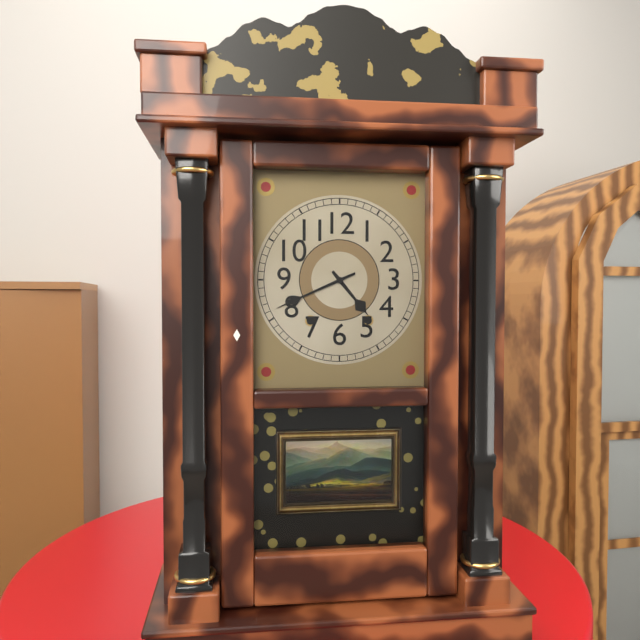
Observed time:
h=4 m=41
